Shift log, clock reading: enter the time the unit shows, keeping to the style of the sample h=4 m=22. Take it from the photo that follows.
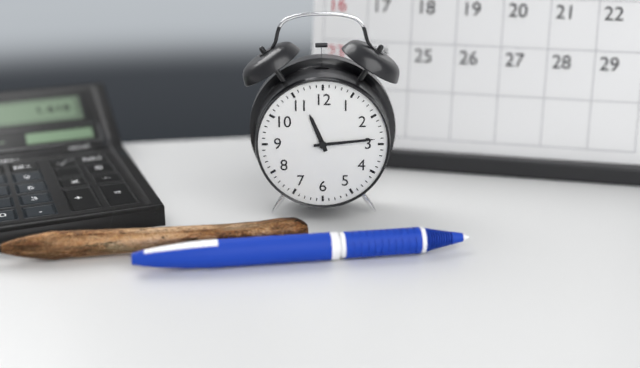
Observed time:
h=11 m=14
